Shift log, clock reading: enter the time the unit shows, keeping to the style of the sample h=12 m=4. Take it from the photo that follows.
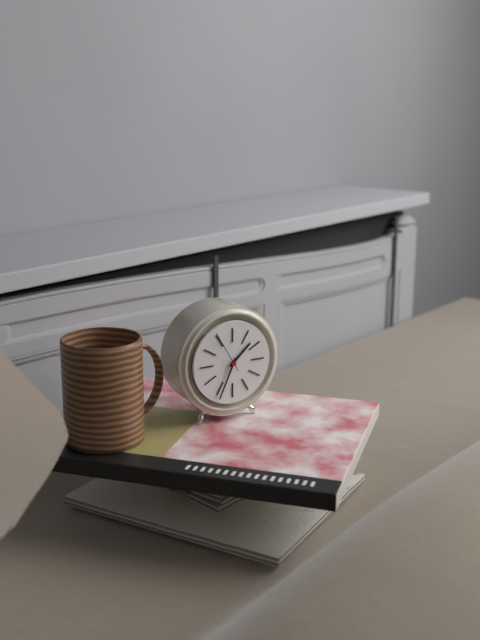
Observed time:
h=1 m=34
